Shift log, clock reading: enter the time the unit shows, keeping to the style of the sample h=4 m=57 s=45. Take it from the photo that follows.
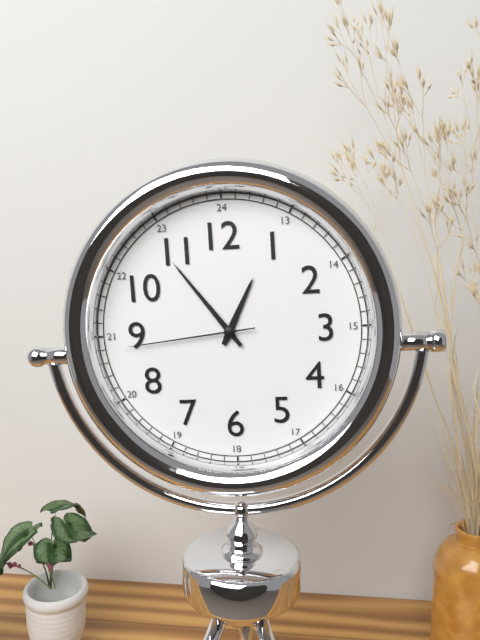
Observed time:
h=12 m=54 s=44
